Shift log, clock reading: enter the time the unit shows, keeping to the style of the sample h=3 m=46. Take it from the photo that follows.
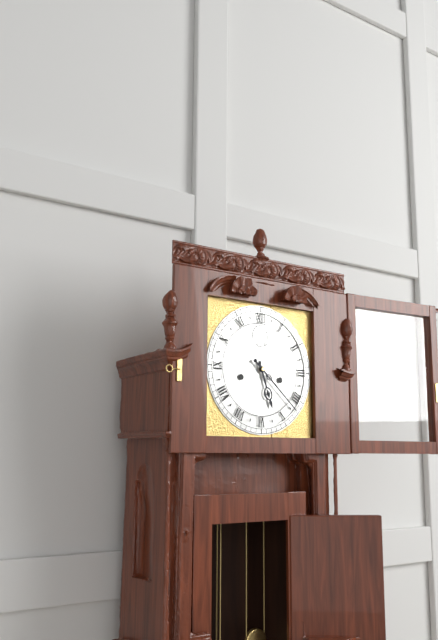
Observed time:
h=5 m=22
